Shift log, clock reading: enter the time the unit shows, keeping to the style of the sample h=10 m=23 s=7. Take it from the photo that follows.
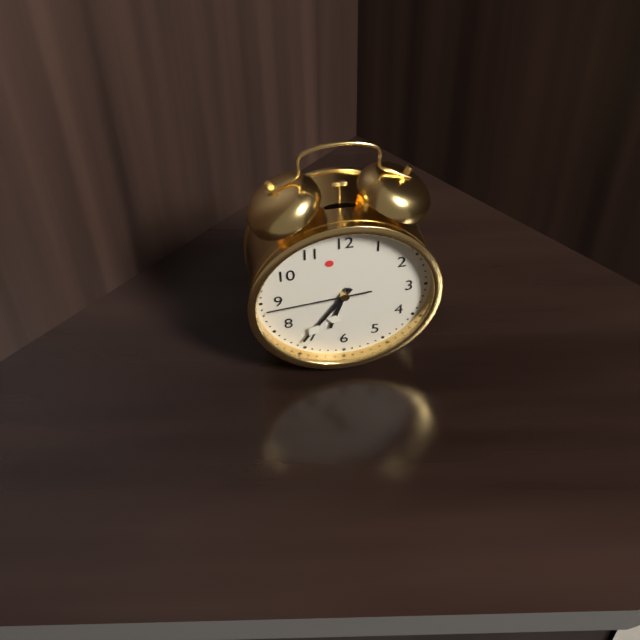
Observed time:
h=6 m=36 s=44
